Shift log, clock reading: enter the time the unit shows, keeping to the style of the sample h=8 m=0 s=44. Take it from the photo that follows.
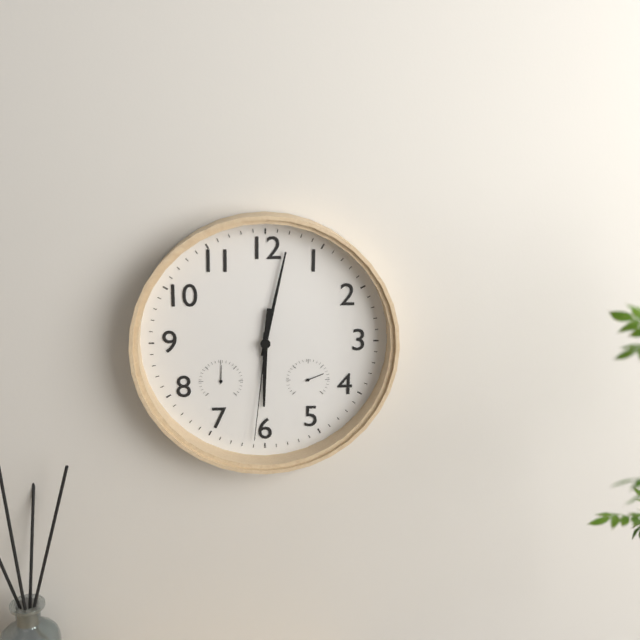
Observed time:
h=6 m=2 s=31
